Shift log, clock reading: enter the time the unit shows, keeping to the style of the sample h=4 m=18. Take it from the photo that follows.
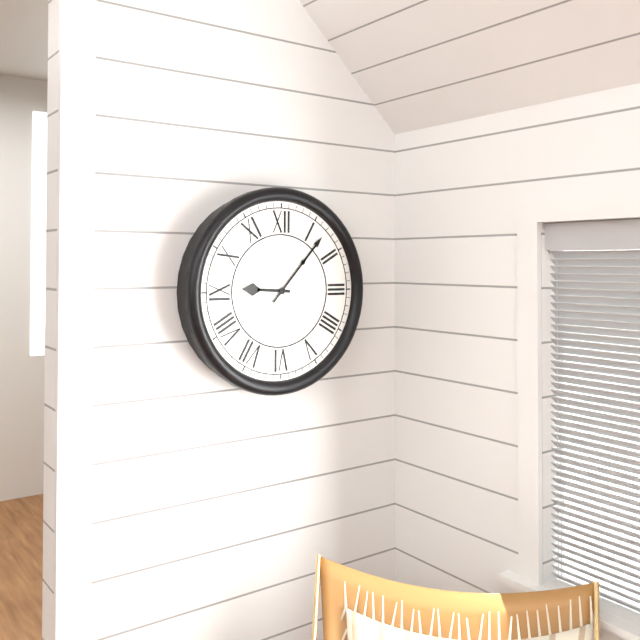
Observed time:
h=9 m=7
